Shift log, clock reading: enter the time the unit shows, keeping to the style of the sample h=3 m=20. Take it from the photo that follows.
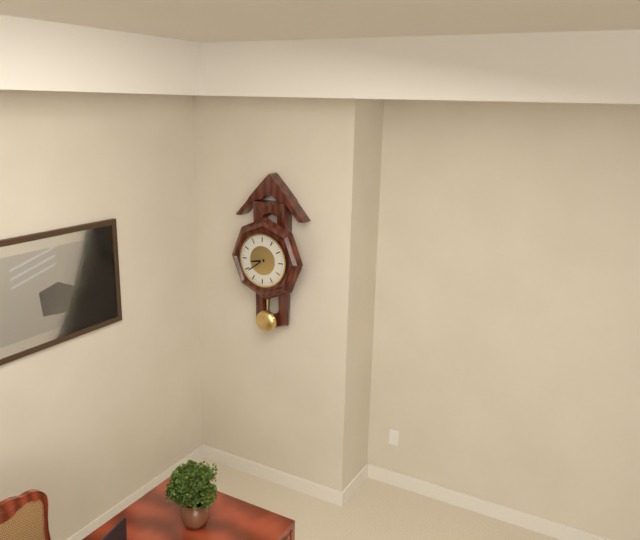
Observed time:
h=8 m=39
